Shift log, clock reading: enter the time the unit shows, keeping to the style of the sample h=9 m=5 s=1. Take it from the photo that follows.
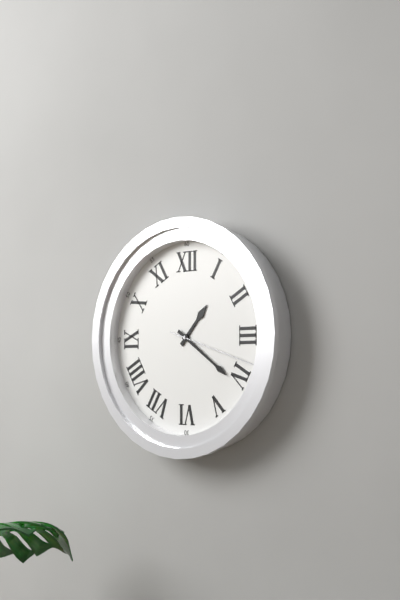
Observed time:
h=1 m=21 s=18
